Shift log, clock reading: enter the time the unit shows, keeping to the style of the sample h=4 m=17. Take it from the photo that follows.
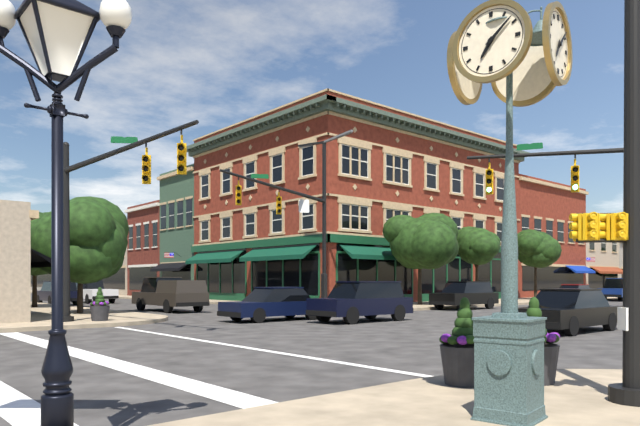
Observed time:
h=7 m=8
